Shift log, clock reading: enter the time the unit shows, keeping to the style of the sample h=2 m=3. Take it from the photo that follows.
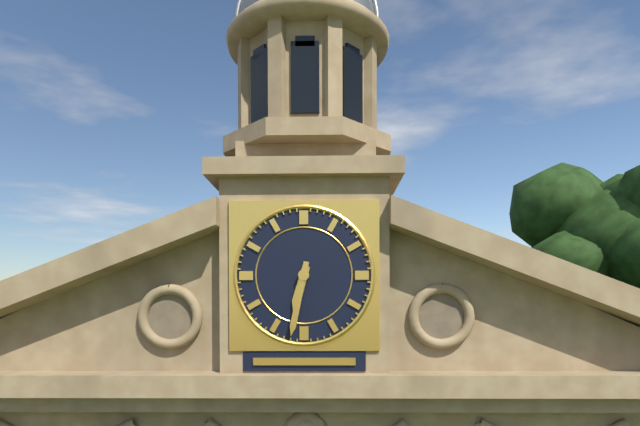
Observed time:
h=6 m=32
